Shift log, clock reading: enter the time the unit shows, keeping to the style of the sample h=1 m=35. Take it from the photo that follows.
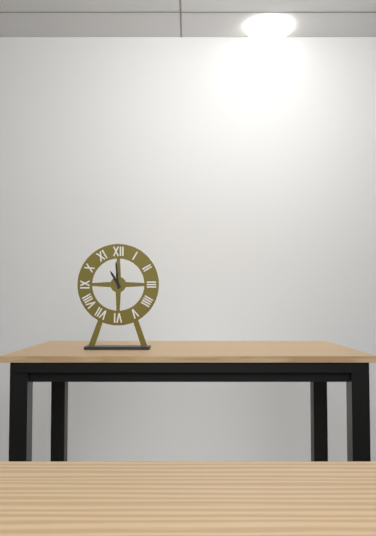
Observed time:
h=10 m=59
